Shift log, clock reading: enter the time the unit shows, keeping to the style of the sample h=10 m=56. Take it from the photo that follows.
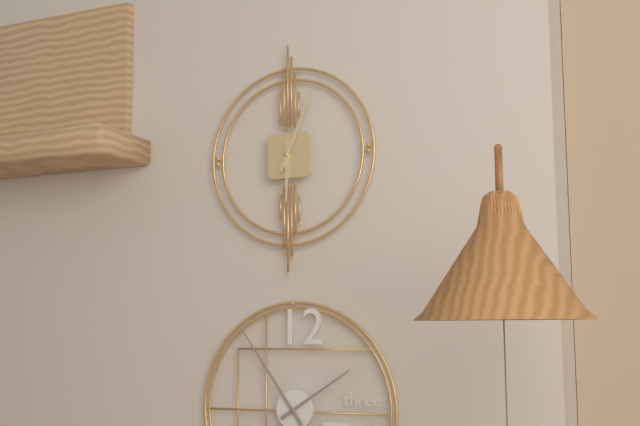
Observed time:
h=6 m=4
